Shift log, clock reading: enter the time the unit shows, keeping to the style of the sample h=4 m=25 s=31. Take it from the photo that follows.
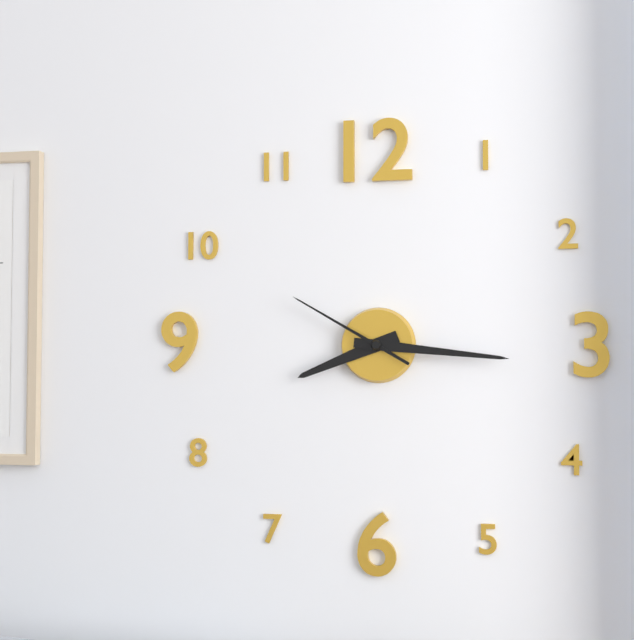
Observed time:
h=8 m=16 s=50
